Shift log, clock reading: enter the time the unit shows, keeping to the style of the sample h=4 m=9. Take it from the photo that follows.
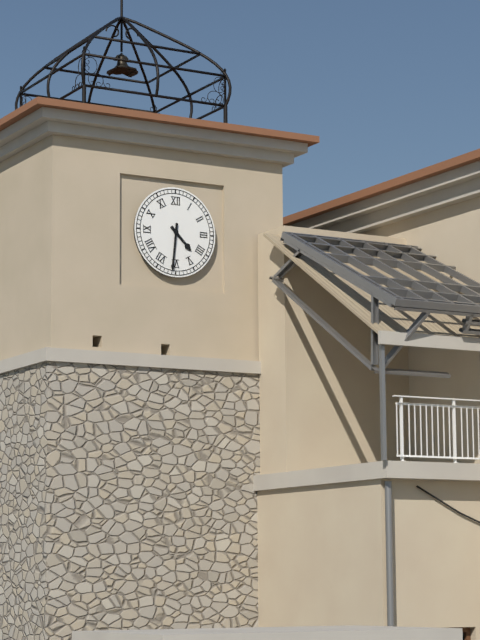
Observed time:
h=4 m=31
